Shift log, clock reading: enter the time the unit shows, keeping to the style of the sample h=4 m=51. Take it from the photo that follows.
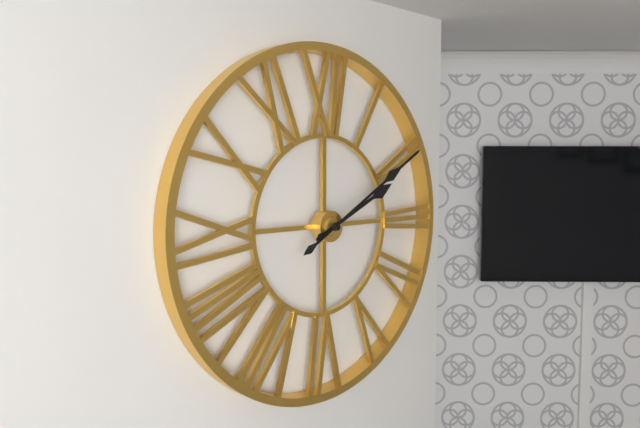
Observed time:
h=2 m=10
